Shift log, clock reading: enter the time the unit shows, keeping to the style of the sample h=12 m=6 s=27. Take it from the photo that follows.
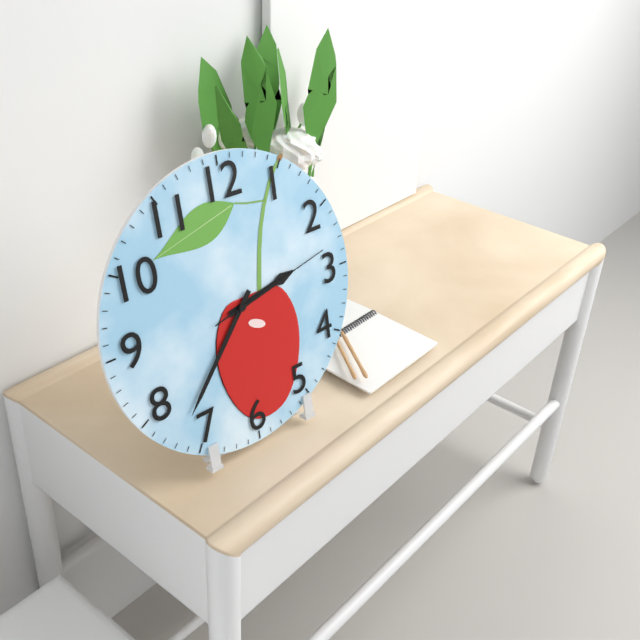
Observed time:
h=2 m=37 s=13
